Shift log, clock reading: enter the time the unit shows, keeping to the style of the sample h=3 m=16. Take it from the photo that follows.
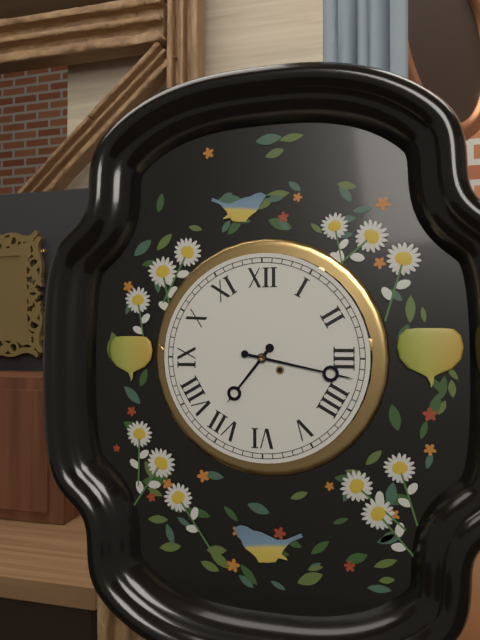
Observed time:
h=7 m=17
